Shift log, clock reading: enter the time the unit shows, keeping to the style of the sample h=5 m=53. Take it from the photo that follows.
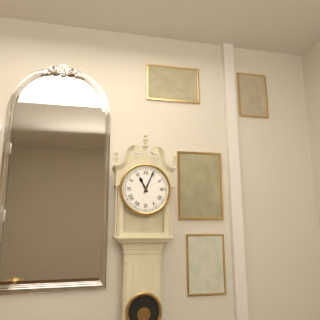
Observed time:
h=11 m=4
